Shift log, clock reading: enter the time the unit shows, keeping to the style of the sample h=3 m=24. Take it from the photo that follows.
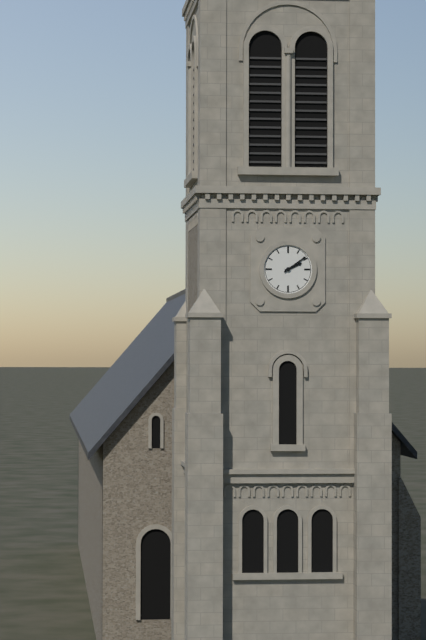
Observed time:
h=2 m=9
